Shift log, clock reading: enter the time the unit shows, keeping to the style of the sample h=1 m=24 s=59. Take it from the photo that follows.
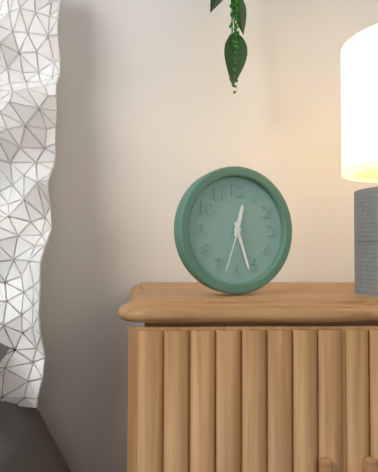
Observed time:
h=12 m=27 s=33
